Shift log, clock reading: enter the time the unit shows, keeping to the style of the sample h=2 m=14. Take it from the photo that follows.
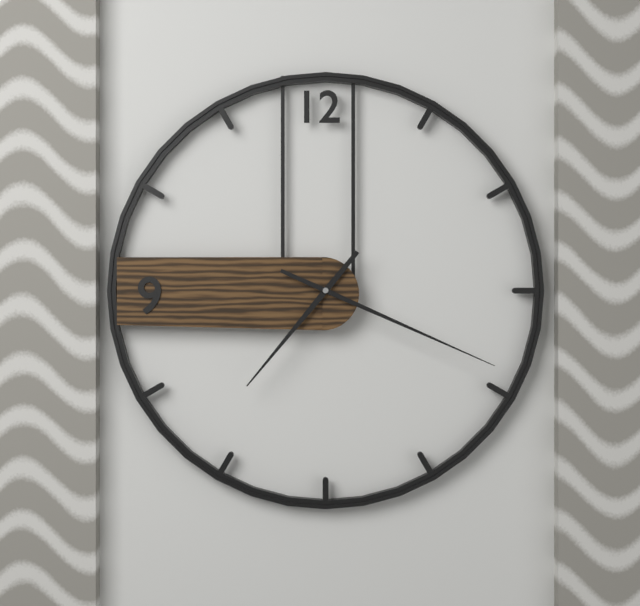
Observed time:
h=7 m=19
